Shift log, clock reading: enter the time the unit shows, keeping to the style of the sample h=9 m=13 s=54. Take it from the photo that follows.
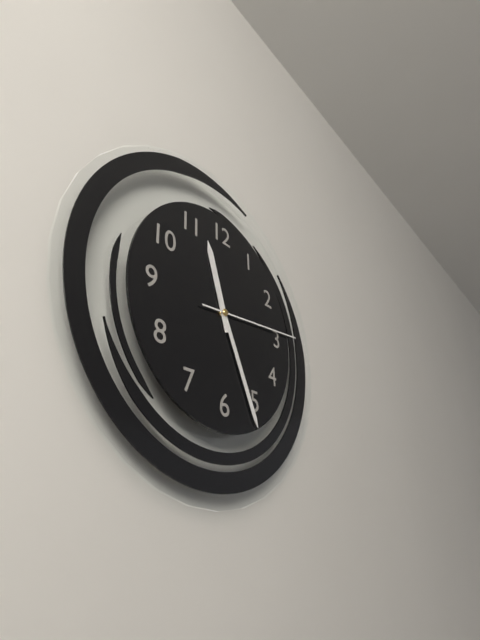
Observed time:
h=11 m=26 s=14
